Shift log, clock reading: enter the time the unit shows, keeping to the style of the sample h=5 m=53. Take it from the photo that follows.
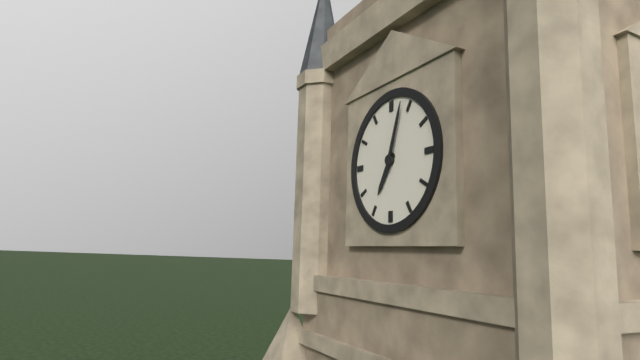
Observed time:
h=7 m=3
